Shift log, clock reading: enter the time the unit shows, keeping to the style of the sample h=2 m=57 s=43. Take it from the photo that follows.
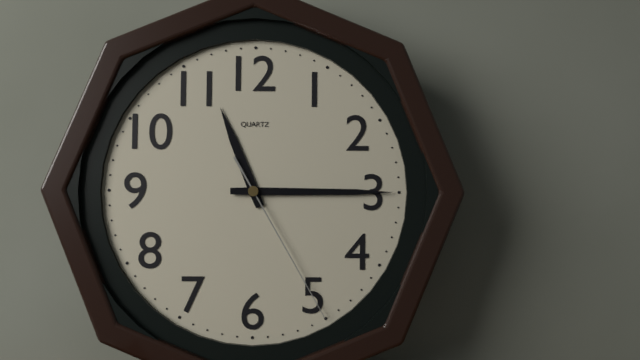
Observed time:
h=11 m=15 s=25
